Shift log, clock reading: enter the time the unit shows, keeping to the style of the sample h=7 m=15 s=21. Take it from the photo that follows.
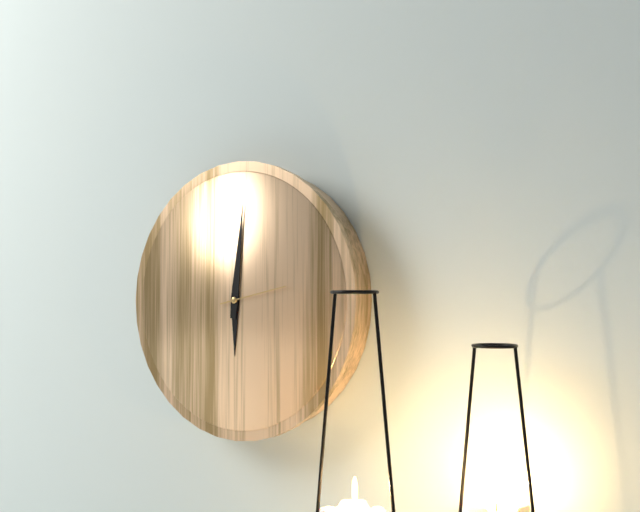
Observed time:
h=6 m=1 s=13
